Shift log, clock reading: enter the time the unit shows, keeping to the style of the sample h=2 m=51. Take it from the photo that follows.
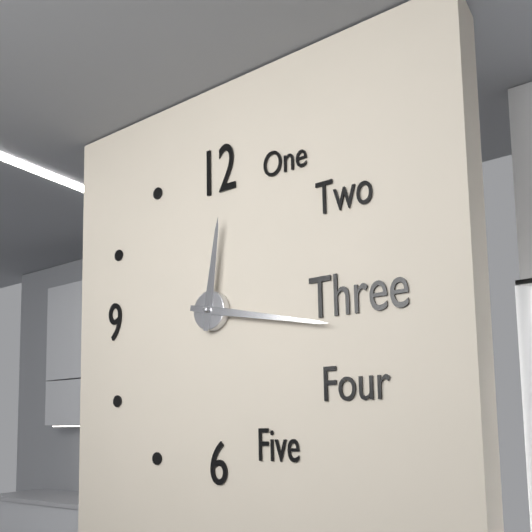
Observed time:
h=12 m=17
